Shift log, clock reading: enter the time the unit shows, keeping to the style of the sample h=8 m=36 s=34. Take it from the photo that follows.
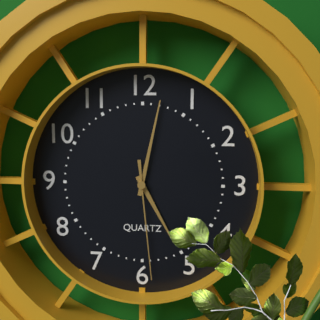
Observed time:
h=5 m=2 s=29
